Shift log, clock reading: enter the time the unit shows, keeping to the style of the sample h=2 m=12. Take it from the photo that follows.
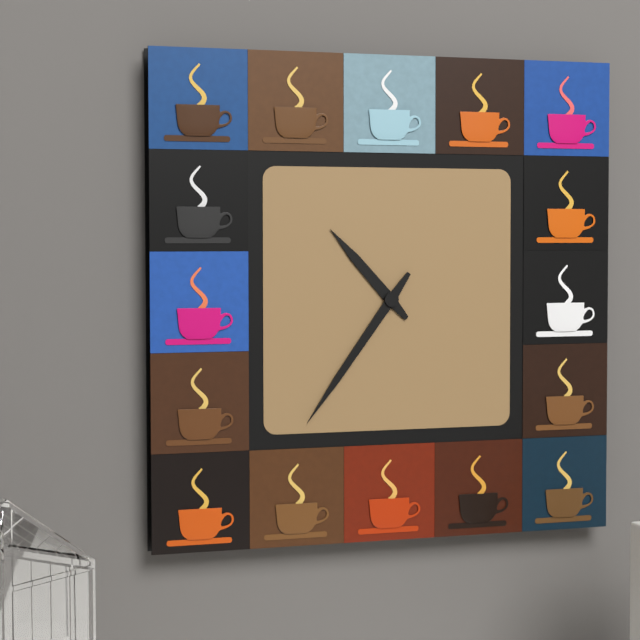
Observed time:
h=10 m=36
